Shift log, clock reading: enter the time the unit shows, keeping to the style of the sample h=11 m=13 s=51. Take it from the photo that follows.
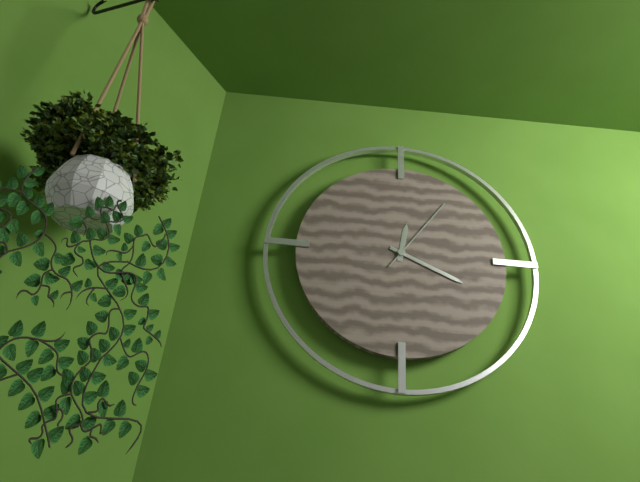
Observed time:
h=12 m=19 s=6
